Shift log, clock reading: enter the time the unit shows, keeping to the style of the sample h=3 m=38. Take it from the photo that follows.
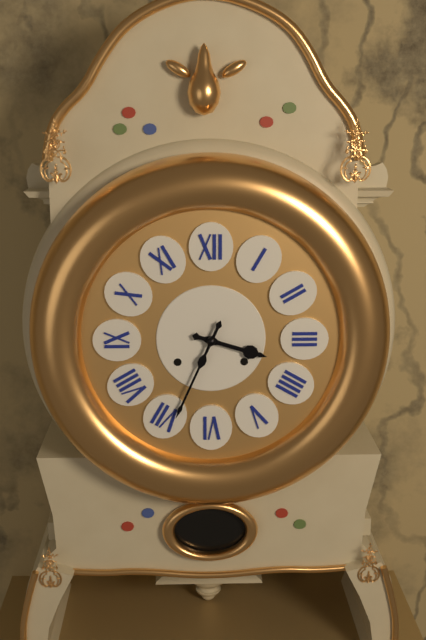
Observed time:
h=3 m=34
